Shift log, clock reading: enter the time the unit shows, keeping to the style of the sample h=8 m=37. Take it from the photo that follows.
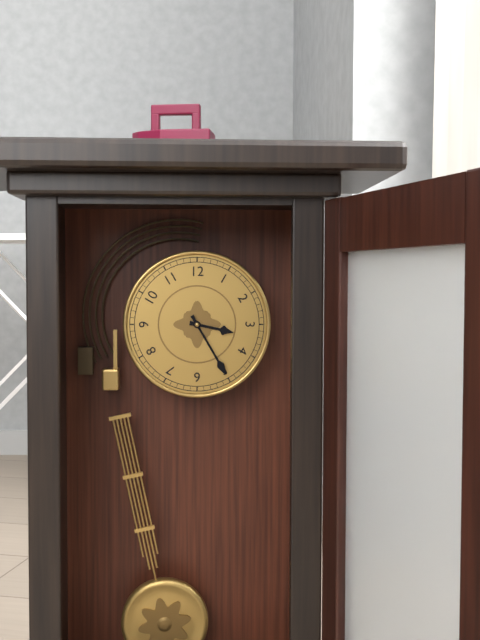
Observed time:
h=3 m=25
